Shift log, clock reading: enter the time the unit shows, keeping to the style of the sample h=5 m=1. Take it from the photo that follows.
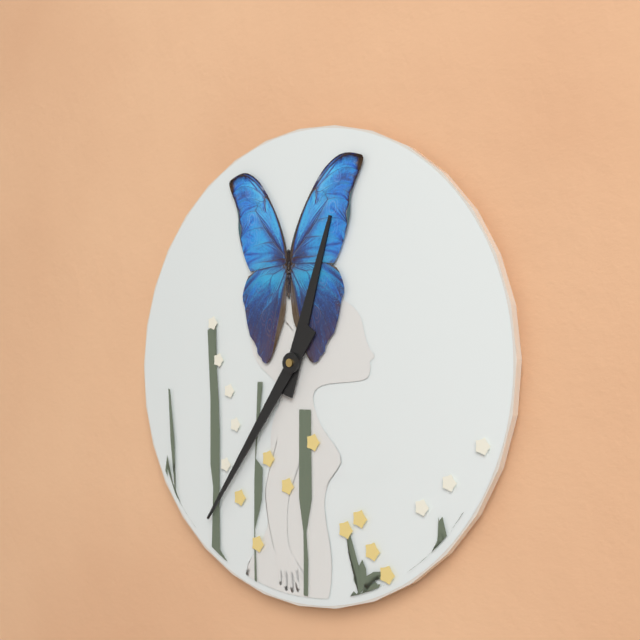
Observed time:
h=12 m=36
